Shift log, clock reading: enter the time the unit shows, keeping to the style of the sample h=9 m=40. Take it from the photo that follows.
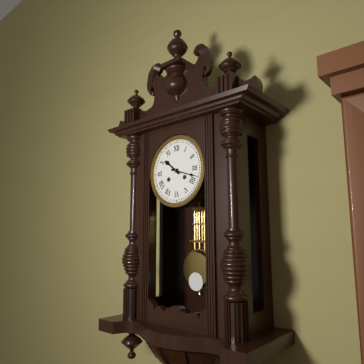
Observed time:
h=10 m=18
